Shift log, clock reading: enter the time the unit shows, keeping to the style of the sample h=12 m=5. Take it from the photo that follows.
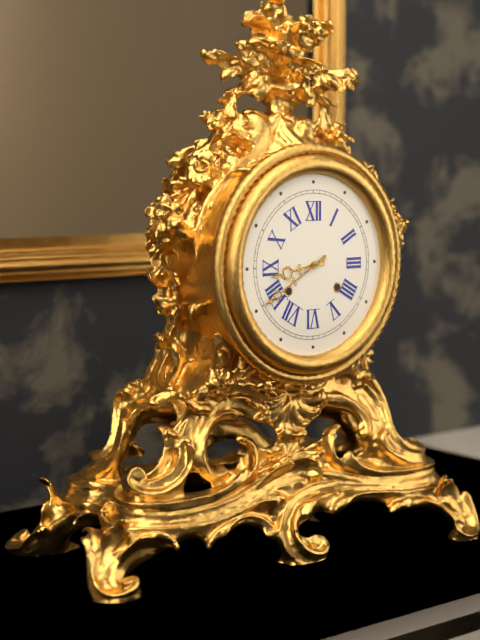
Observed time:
h=8 m=40
